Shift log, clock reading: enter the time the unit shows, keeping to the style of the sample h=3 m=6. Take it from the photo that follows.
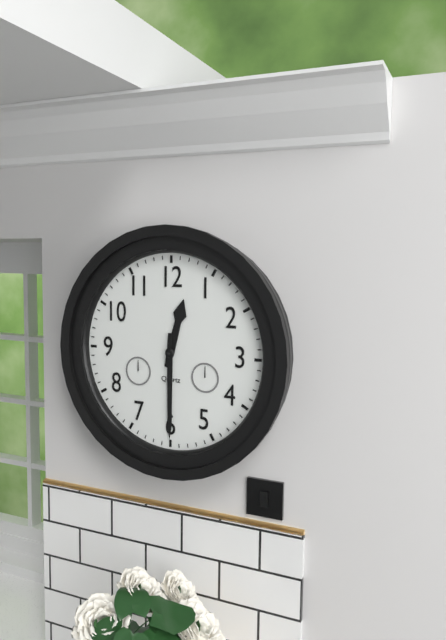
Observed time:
h=12 m=30
